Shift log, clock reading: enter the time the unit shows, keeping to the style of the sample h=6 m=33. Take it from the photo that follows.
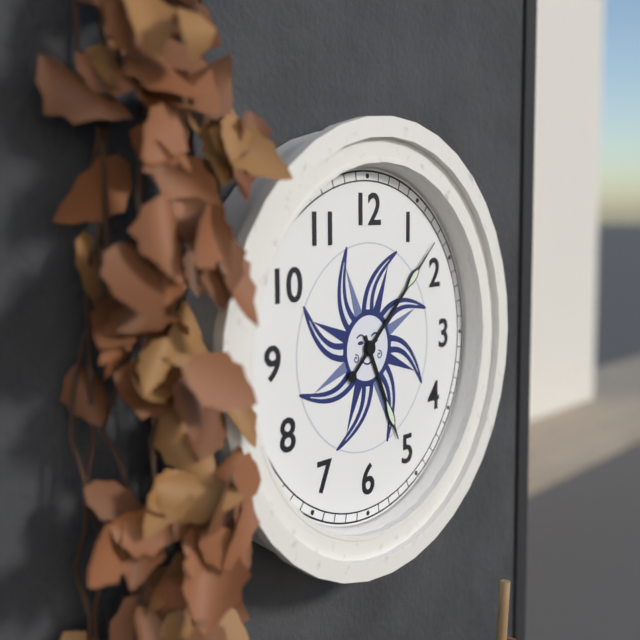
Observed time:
h=5 m=8
